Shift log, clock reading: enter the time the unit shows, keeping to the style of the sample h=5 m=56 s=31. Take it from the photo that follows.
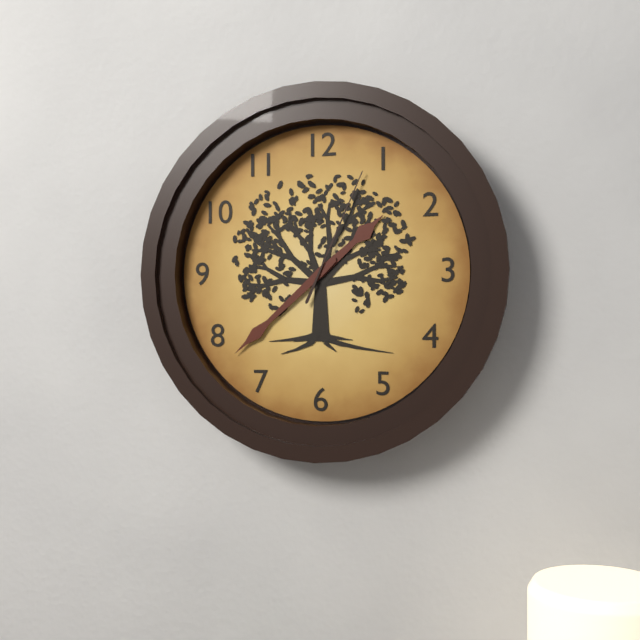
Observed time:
h=1 m=38 s=4
